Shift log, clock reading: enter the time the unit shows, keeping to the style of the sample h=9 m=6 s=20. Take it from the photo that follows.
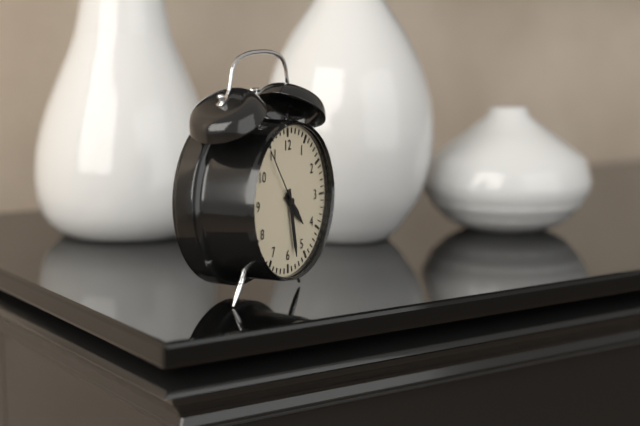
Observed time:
h=4 m=28 s=54
